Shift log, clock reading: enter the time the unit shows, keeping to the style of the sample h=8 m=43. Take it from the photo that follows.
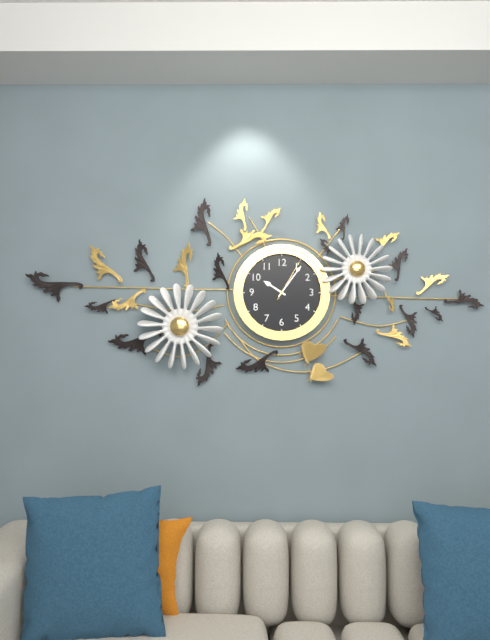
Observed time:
h=10 m=6
